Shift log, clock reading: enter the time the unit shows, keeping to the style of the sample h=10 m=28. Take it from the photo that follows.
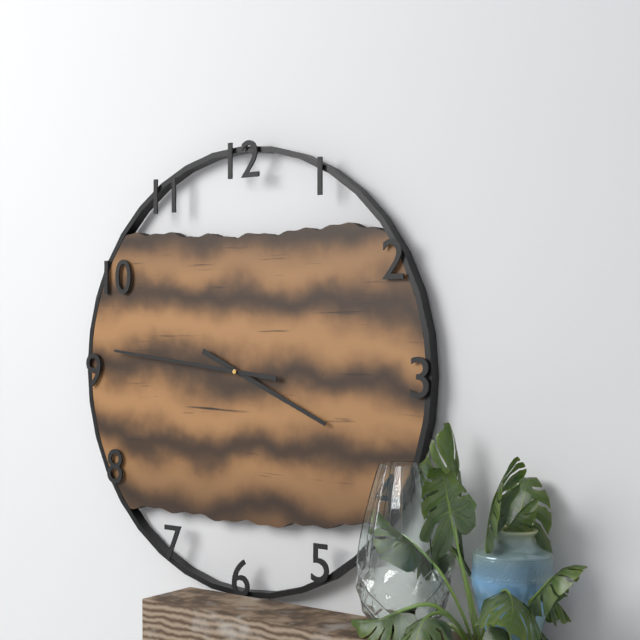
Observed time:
h=3 m=46
